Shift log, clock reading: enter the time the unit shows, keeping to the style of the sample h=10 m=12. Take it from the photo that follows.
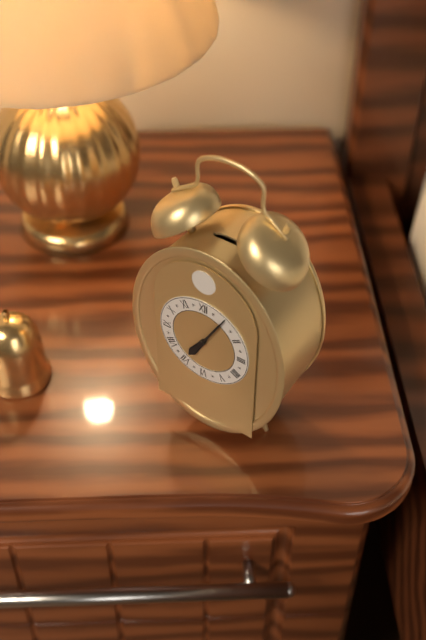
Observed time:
h=7 m=5
